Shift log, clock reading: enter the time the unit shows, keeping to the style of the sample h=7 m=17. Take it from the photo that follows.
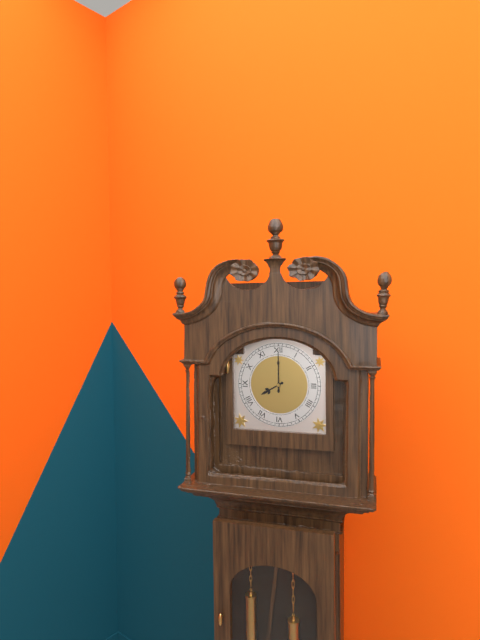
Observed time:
h=8 m=0
